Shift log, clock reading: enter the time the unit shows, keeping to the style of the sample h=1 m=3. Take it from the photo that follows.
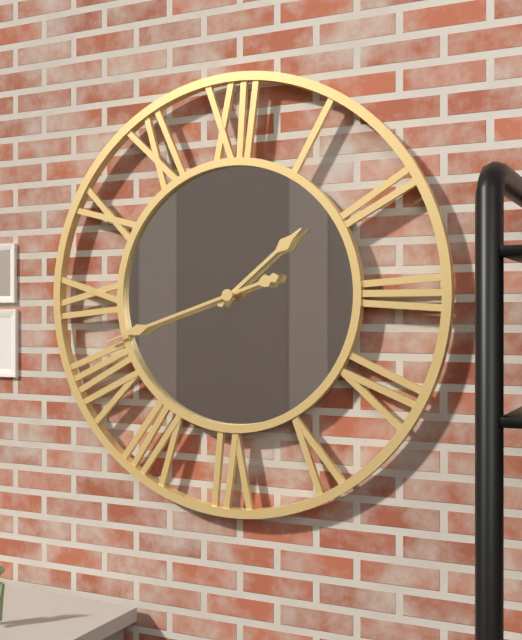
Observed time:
h=1 m=42
